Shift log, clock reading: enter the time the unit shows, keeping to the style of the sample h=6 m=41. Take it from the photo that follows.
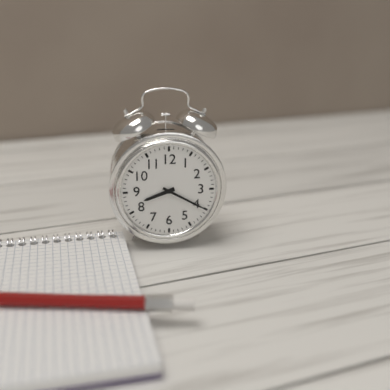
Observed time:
h=8 m=20
